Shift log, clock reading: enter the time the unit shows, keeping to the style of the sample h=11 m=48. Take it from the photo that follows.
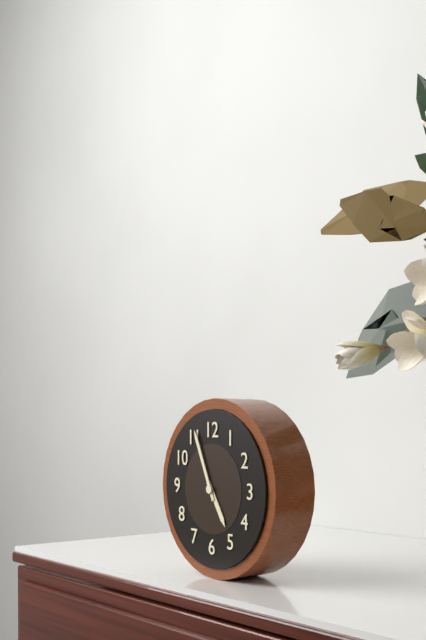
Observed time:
h=4 m=56
